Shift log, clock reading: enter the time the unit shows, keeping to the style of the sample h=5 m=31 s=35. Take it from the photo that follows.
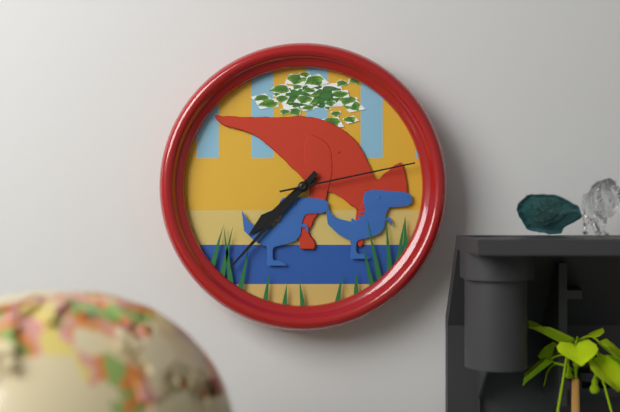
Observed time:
h=7 m=37 s=13
